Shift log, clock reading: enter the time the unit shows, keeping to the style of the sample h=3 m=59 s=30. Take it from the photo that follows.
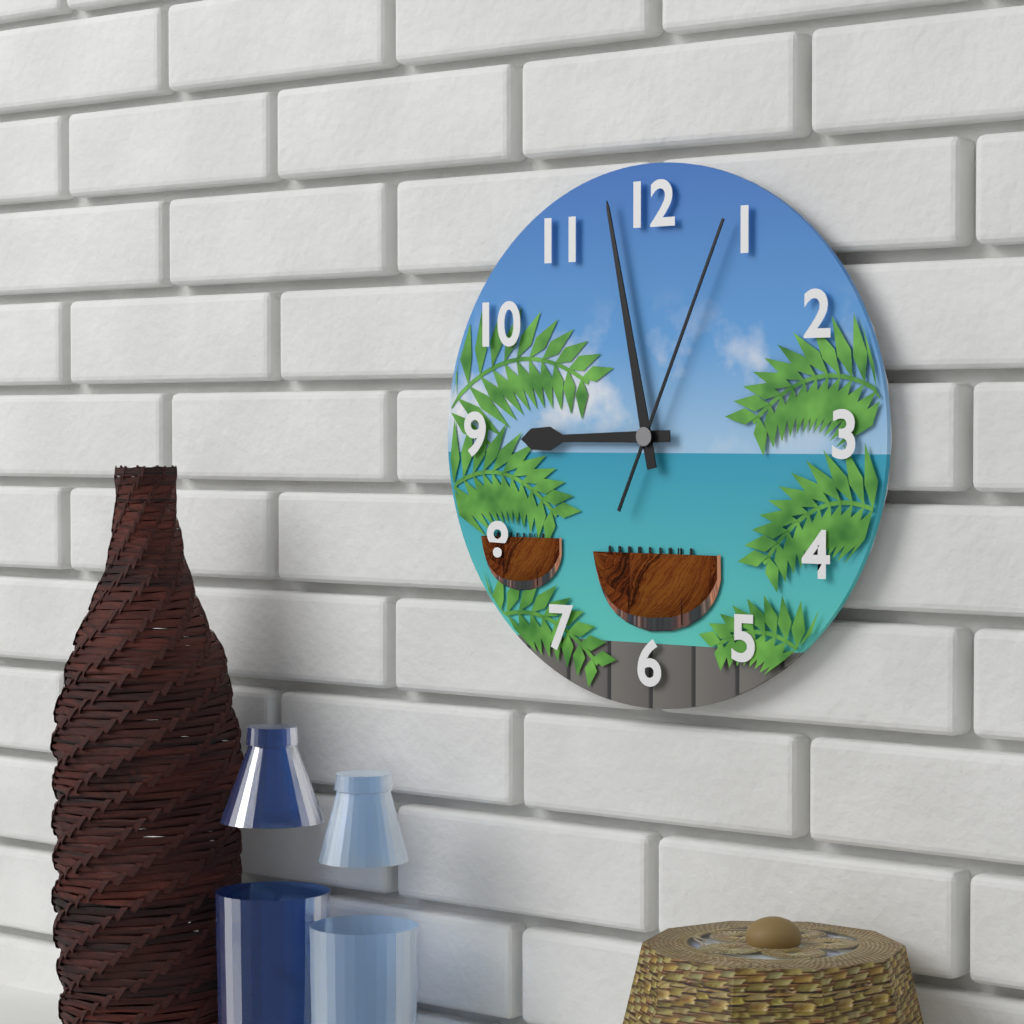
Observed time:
h=8 m=58 s=4
